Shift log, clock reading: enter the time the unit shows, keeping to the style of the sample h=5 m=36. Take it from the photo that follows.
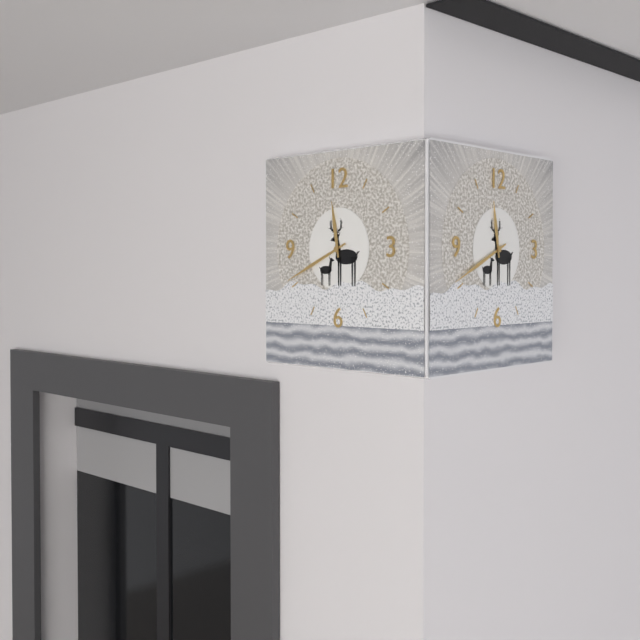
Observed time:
h=11 m=41
